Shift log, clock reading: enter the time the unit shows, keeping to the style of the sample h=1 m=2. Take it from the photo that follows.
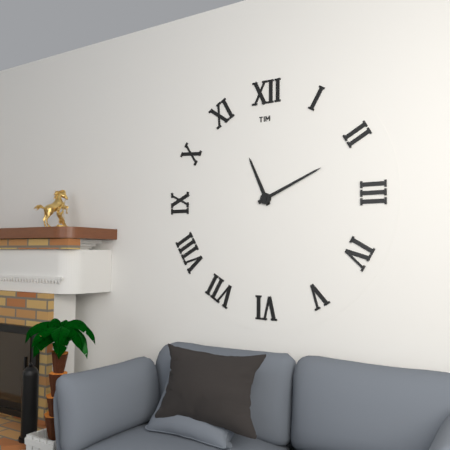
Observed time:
h=11 m=11
